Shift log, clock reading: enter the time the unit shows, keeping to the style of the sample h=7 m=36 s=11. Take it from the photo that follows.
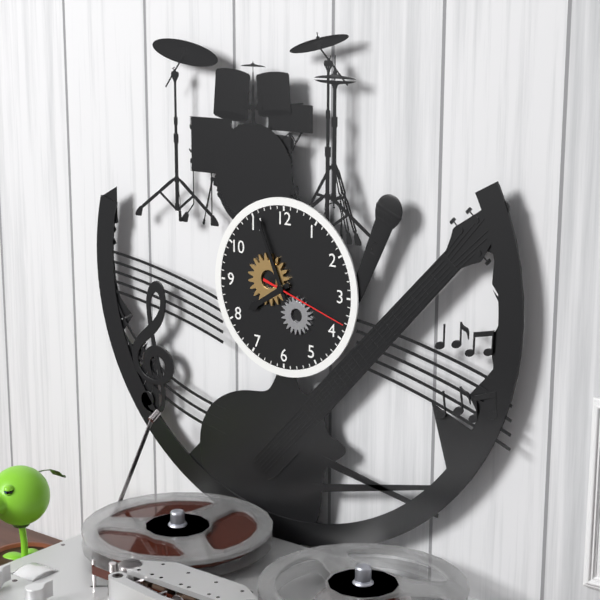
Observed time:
h=7 m=56 s=18
